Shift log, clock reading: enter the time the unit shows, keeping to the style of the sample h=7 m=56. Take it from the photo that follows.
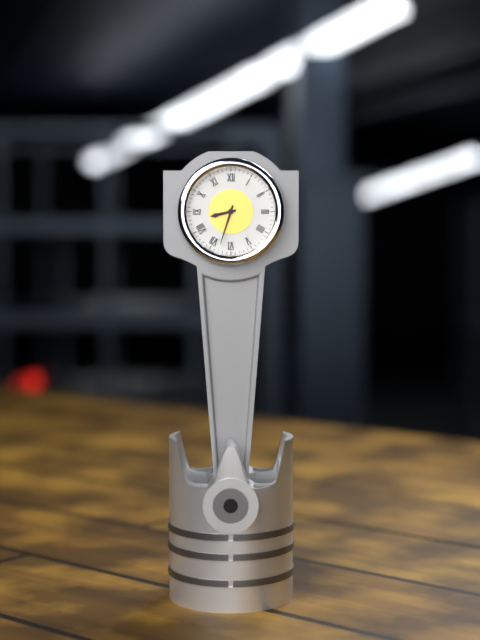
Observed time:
h=8 m=33
